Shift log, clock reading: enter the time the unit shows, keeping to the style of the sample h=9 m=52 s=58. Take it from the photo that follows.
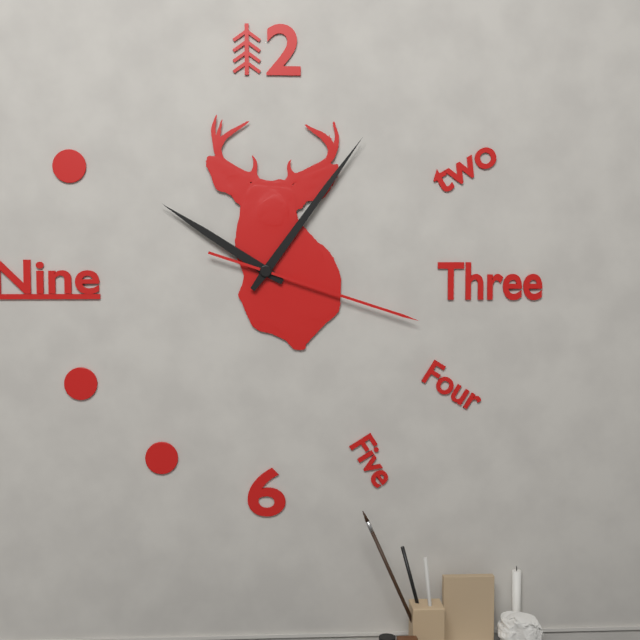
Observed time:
h=10 m=6 s=18
